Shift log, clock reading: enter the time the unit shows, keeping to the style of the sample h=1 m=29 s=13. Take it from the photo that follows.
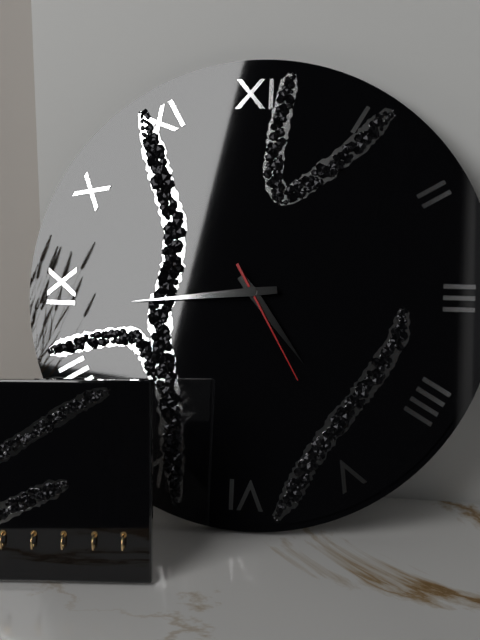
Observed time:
h=4 m=44 s=25
